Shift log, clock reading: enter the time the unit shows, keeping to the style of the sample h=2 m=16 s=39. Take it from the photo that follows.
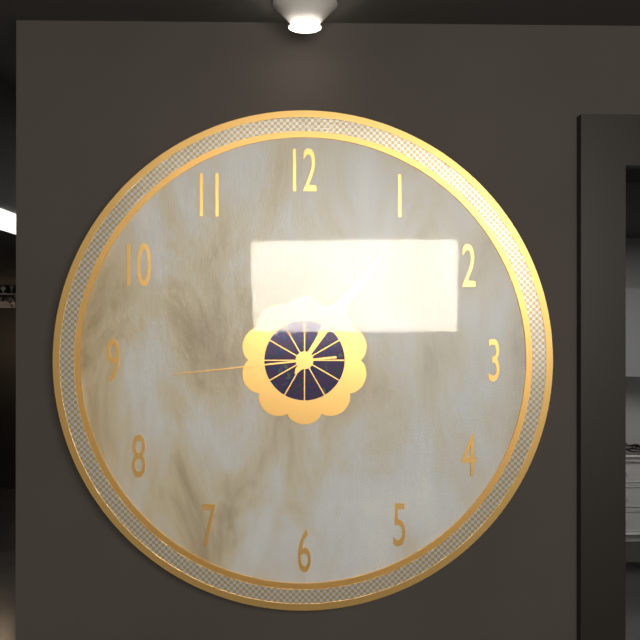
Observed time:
h=1 m=6 s=44
